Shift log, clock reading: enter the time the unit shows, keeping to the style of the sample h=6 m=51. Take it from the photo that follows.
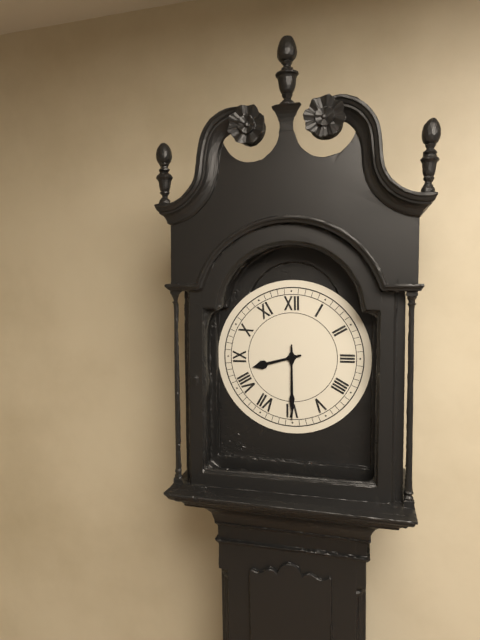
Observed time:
h=8 m=30
